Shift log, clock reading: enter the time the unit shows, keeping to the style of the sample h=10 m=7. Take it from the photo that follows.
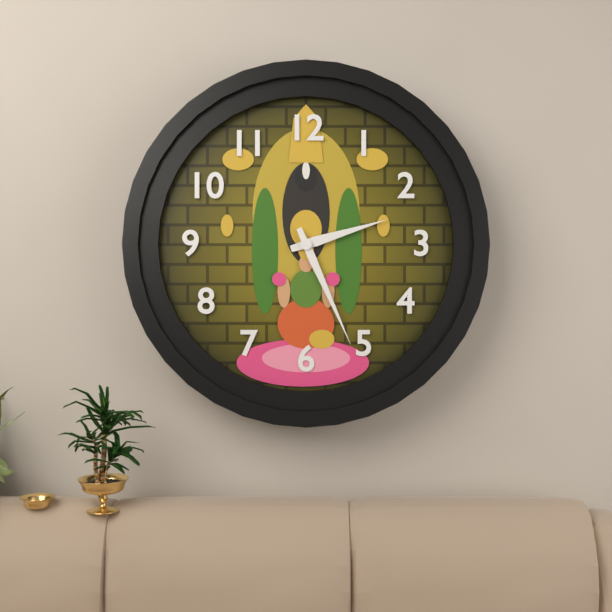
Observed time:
h=2 m=26
